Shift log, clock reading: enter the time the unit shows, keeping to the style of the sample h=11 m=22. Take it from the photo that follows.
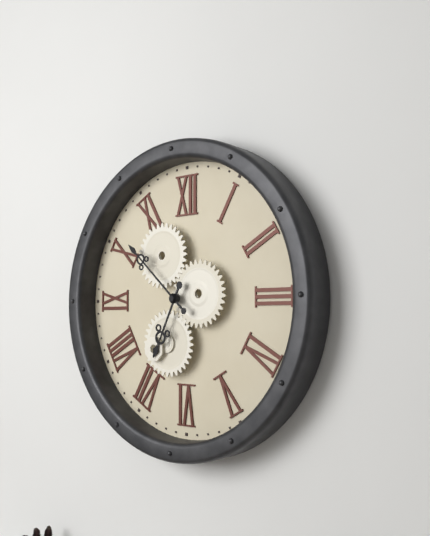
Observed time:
h=6 m=52
